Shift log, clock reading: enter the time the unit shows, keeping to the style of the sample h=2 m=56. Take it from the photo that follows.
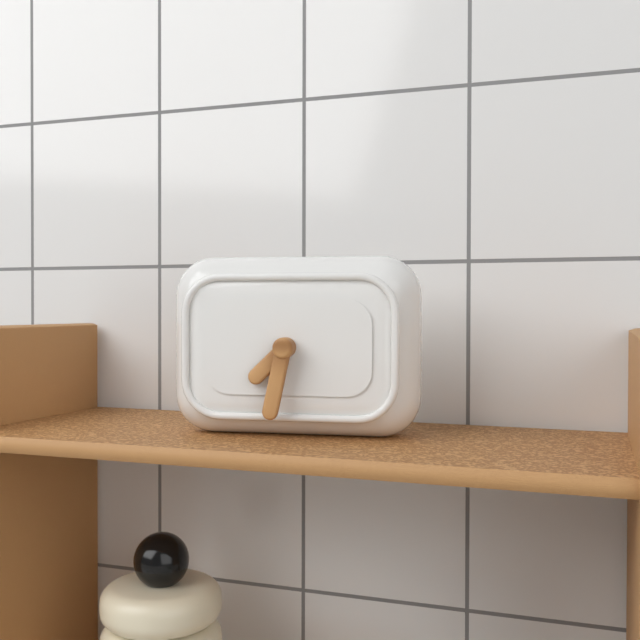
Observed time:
h=7 m=32
